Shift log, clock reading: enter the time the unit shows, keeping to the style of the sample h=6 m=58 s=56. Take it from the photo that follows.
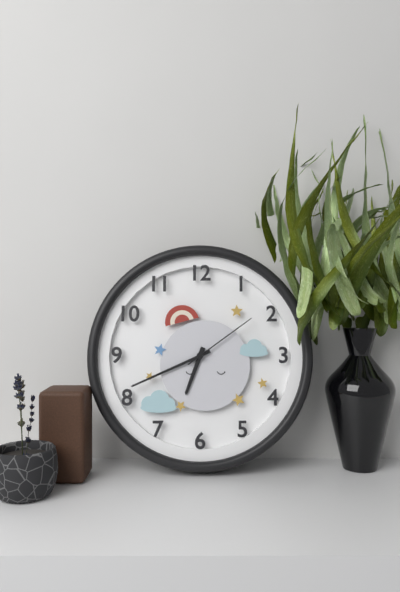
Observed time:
h=6 m=41 s=9
